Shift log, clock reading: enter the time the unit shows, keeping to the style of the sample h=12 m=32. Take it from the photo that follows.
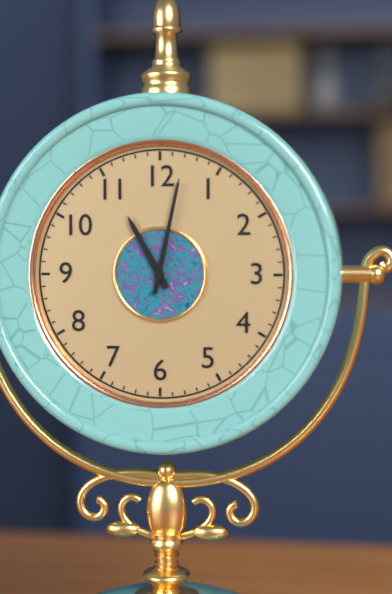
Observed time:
h=11 m=2
